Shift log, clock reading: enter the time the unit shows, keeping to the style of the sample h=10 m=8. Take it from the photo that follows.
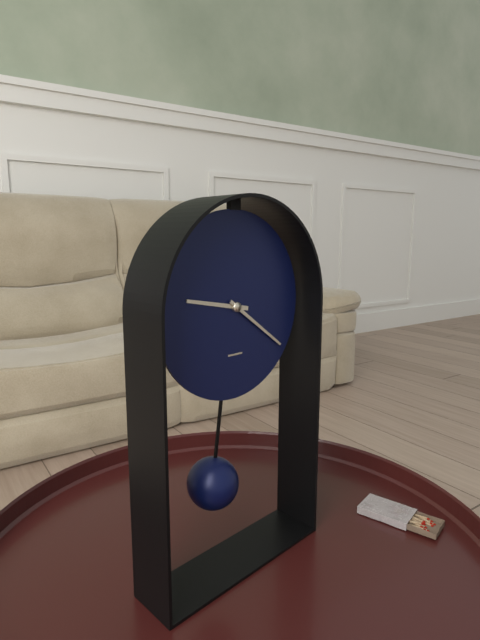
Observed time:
h=9 m=21
